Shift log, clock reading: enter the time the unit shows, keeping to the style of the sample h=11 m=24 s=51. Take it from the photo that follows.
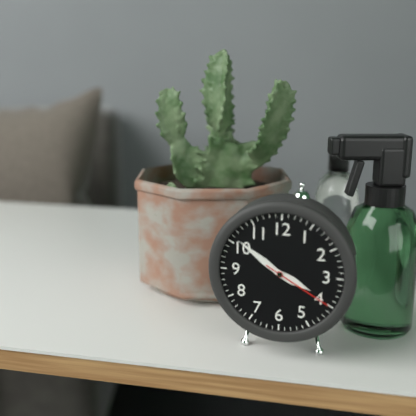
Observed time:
h=3 m=51 s=20
